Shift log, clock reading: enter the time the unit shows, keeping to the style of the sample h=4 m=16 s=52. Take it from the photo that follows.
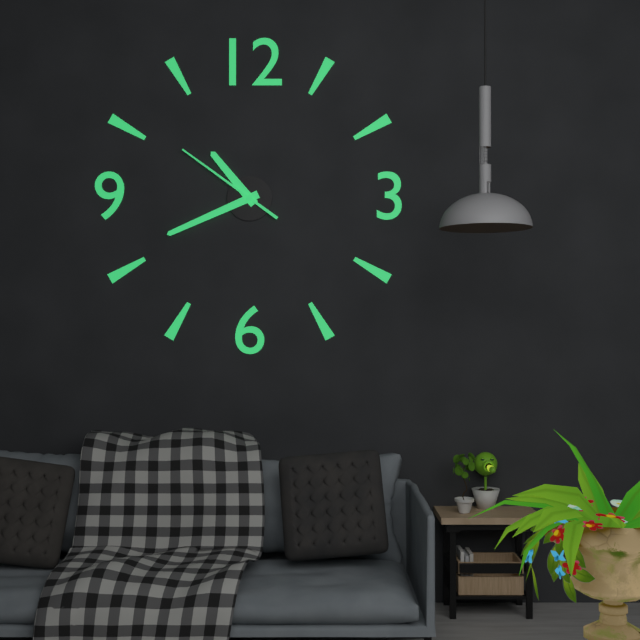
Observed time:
h=10 m=41 s=51
